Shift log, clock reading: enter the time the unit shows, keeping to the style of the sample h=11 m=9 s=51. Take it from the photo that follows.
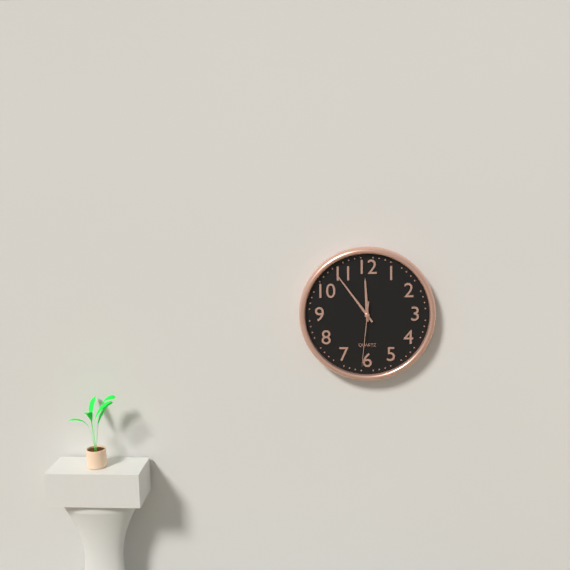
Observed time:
h=11 m=54 s=31
